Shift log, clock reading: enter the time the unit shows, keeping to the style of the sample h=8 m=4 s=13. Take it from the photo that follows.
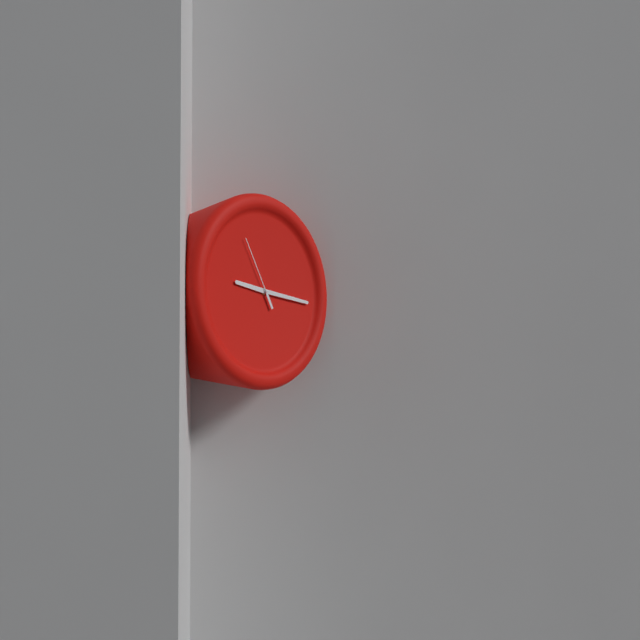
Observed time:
h=9 m=16 s=55
